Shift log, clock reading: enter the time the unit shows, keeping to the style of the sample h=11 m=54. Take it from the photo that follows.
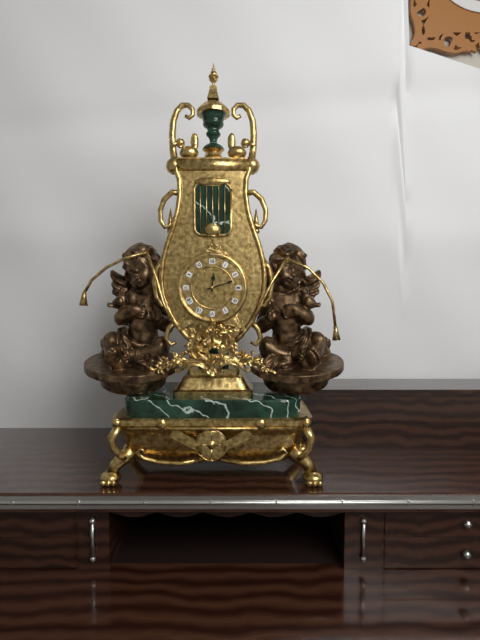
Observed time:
h=12 m=12
